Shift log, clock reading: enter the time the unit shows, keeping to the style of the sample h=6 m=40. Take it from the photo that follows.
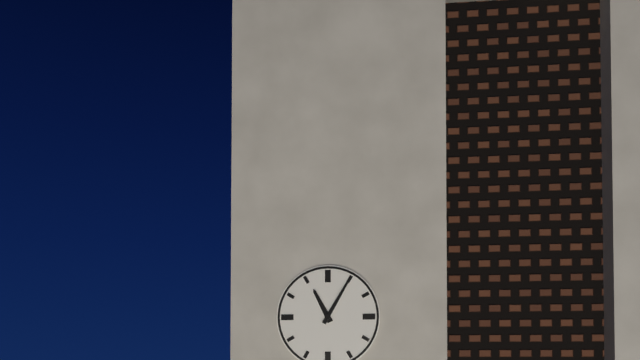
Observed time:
h=11 m=5
